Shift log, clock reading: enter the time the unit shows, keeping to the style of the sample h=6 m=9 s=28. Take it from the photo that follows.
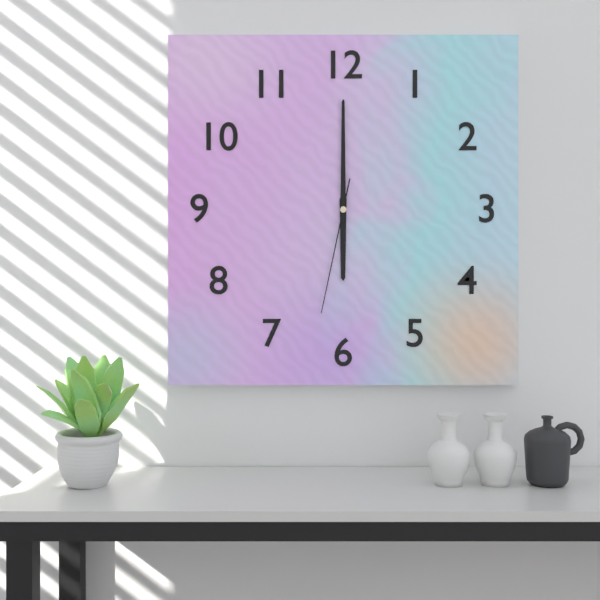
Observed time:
h=6 m=0 s=32
